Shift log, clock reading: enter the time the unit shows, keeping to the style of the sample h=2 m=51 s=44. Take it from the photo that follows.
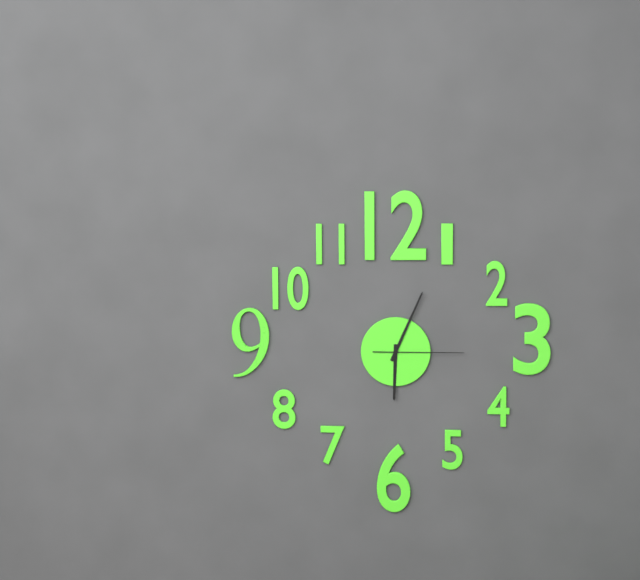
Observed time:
h=6 m=4 s=15
